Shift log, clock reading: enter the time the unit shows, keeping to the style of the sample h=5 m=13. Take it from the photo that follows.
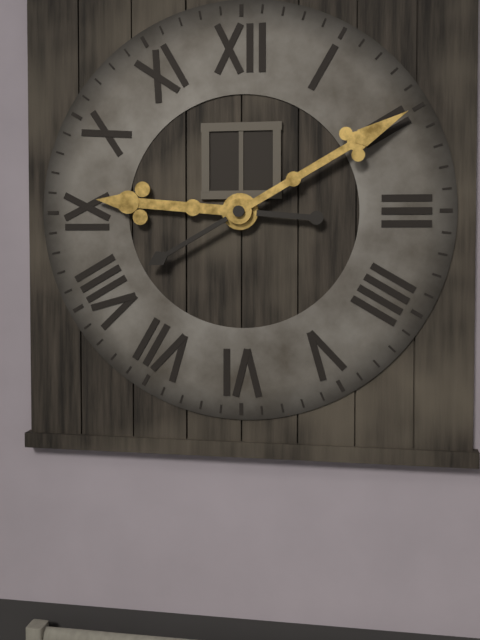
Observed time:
h=9 m=10
